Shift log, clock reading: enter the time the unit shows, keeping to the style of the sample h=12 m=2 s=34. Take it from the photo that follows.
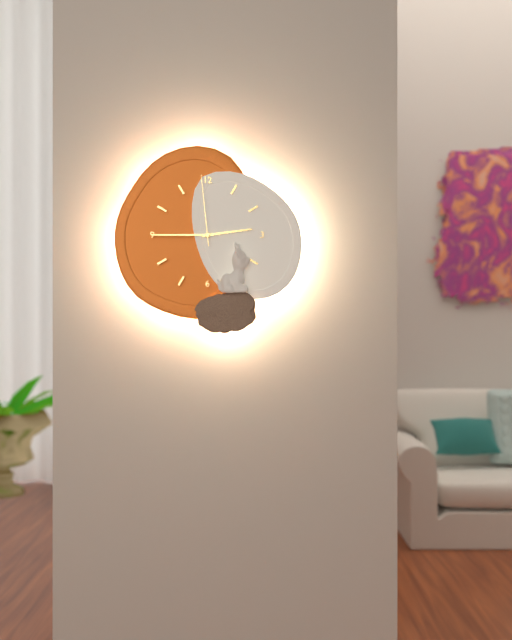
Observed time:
h=2 m=45 s=59
